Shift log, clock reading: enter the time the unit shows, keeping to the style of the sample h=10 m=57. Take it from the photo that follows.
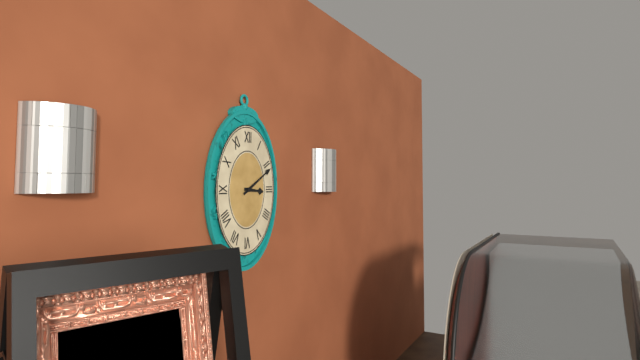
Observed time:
h=3 m=10
